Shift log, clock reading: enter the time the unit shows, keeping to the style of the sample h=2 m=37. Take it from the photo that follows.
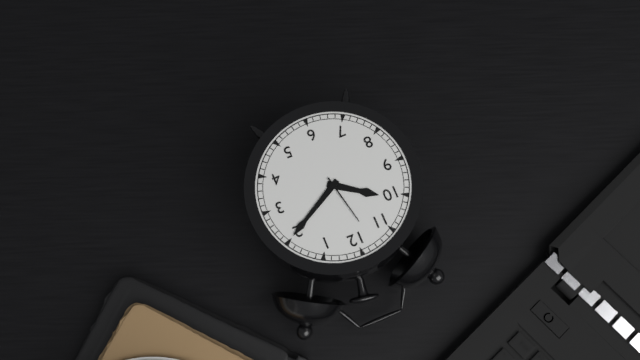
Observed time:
h=10 m=10
